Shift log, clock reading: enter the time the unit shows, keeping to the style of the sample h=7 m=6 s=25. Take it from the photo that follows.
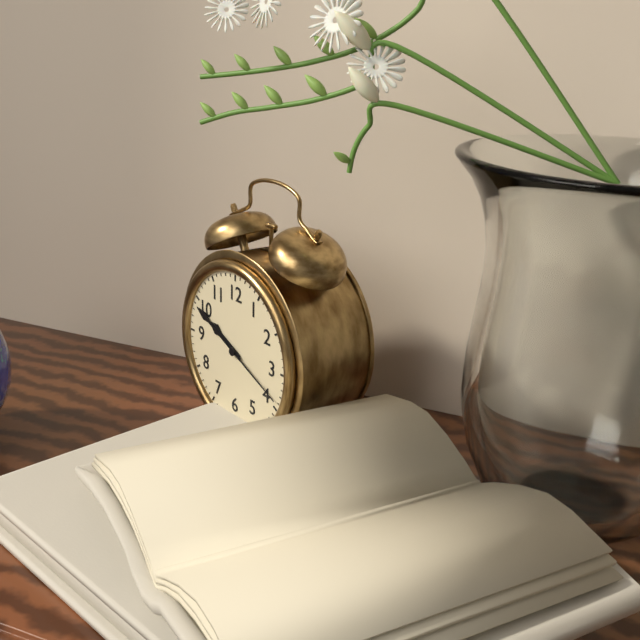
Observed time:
h=9 m=49 s=19
